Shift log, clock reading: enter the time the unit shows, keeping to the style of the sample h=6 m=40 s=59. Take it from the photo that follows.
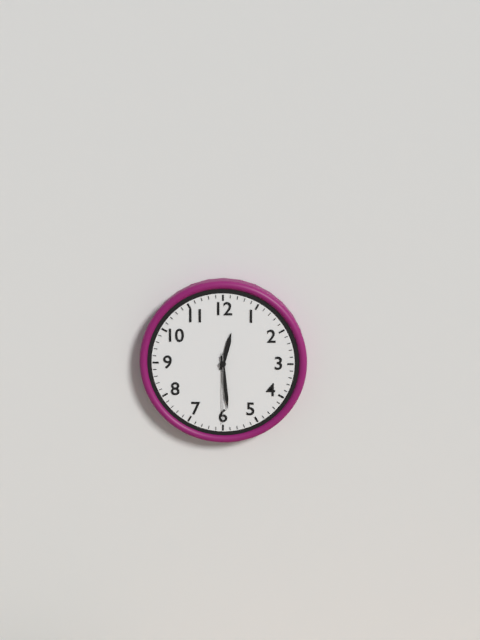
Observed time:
h=12 m=29 s=30
